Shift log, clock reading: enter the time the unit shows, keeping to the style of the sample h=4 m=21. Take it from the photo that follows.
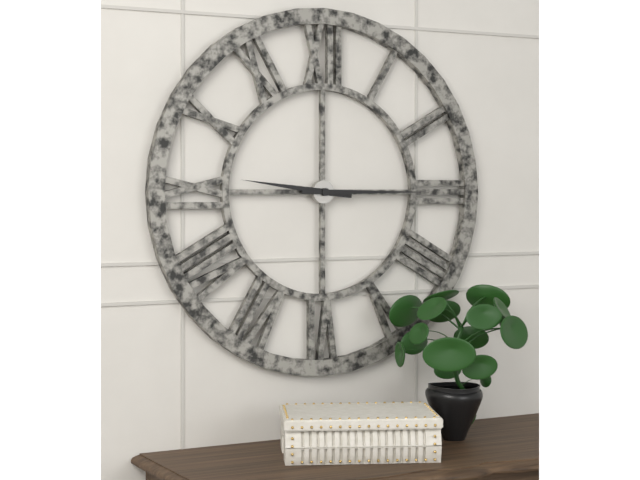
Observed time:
h=9 m=15
